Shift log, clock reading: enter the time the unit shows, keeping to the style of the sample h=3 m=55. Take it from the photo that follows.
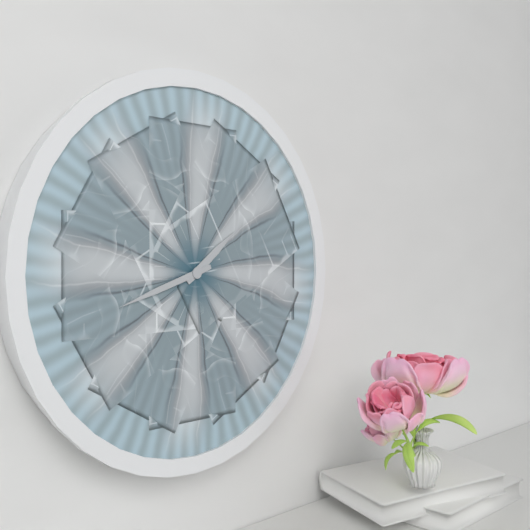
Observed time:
h=1 m=42
